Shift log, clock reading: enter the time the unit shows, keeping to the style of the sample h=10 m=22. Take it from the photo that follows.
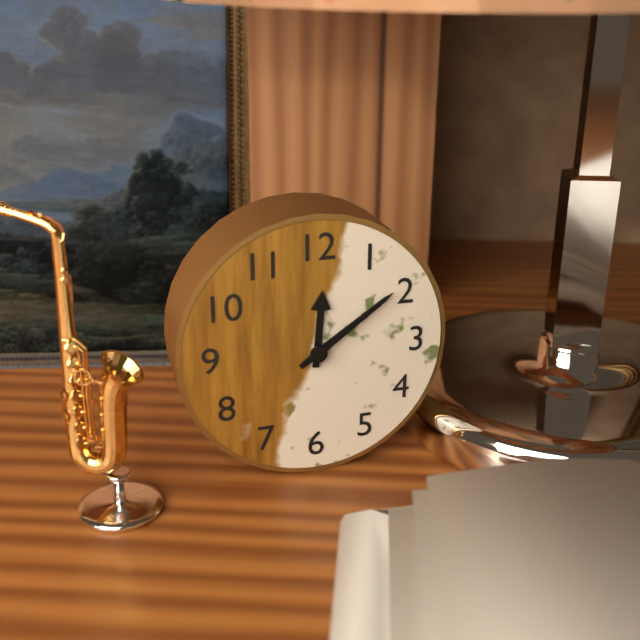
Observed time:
h=12 m=9
